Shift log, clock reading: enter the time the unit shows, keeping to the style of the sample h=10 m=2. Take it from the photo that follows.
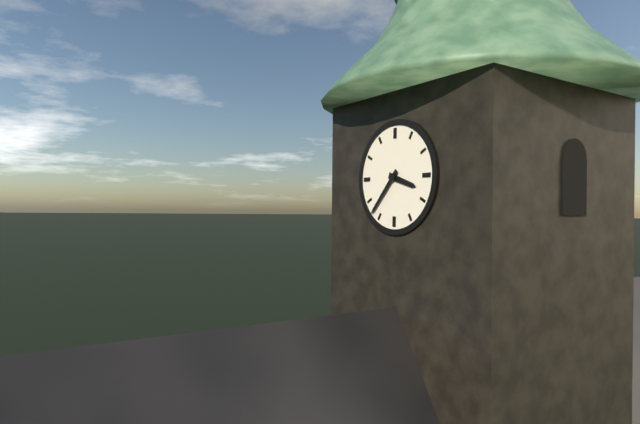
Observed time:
h=3 m=37
